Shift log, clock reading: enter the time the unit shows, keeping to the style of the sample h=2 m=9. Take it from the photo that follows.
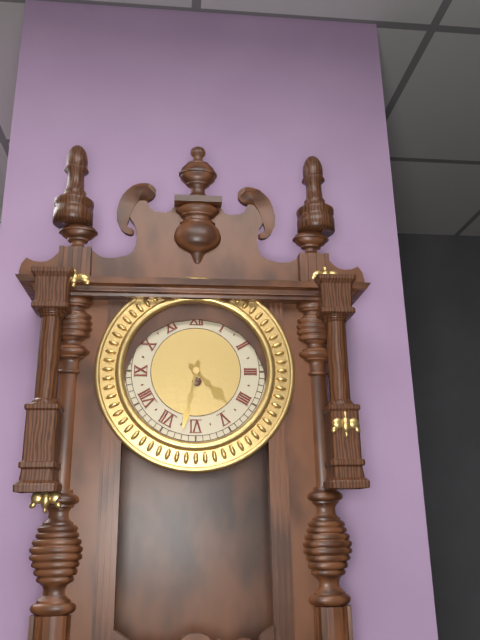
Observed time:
h=4 m=32
